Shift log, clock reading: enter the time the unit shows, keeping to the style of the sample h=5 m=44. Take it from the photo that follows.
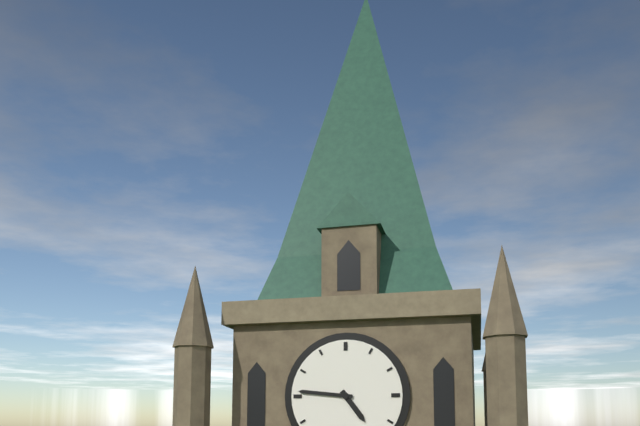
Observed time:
h=4 m=46
